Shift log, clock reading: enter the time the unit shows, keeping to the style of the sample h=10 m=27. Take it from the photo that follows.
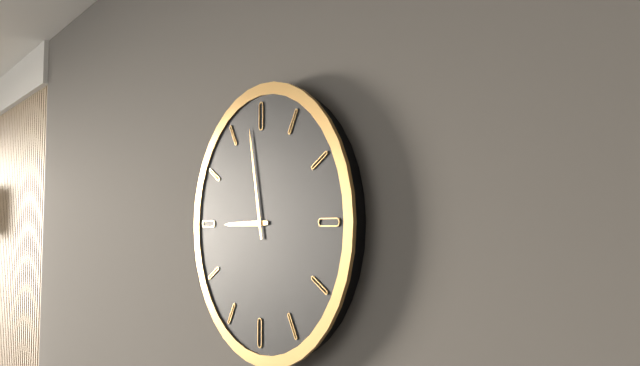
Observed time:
h=8 m=58
